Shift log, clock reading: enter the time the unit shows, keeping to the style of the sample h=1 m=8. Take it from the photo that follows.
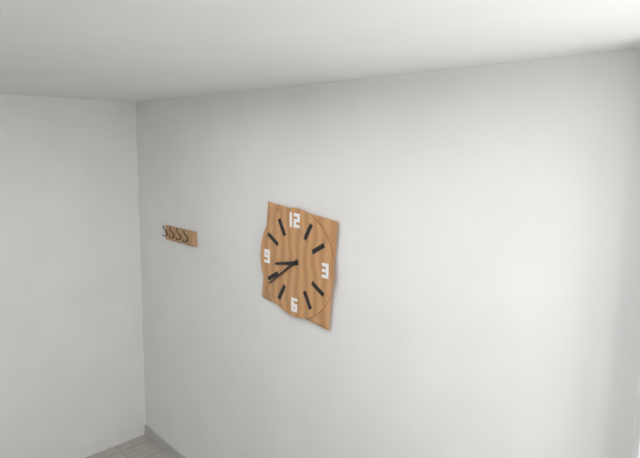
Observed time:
h=8 m=39
